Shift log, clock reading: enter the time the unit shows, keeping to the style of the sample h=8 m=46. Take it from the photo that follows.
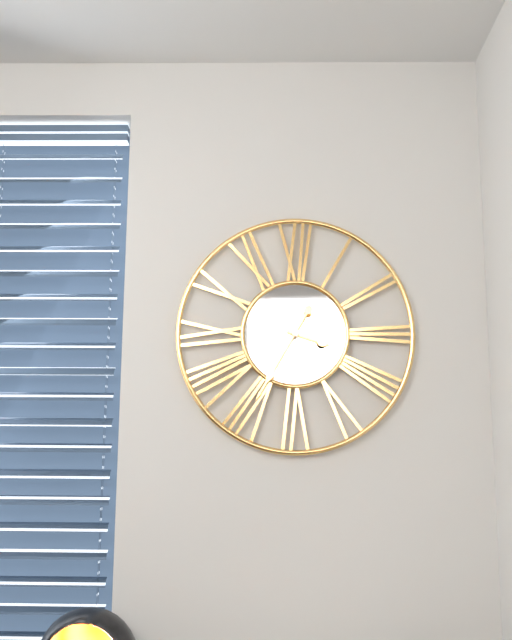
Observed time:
h=3 m=35
